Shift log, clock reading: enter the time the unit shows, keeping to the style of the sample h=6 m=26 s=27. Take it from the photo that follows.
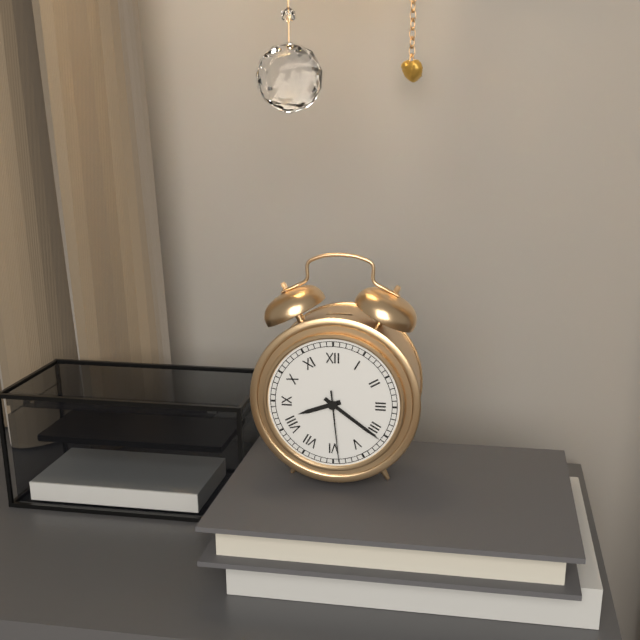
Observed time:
h=8 m=21 s=29
